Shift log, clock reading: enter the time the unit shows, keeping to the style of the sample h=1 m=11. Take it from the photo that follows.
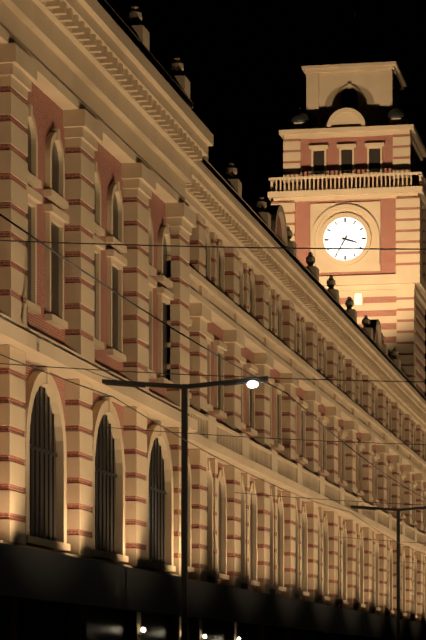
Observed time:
h=3 m=35
